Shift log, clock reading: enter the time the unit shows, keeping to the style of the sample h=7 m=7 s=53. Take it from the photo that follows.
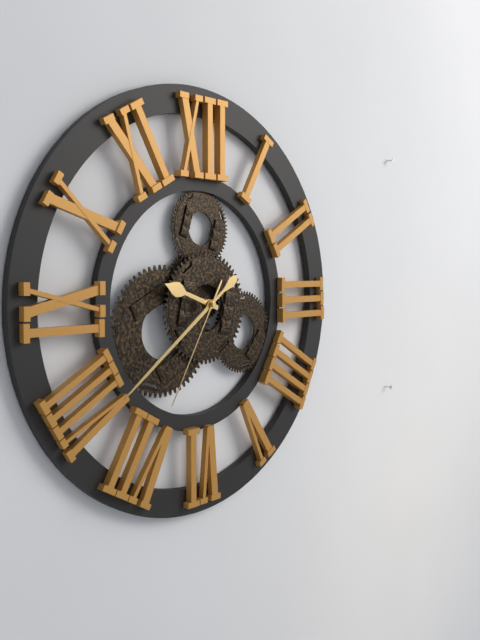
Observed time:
h=9 m=39 s=35
